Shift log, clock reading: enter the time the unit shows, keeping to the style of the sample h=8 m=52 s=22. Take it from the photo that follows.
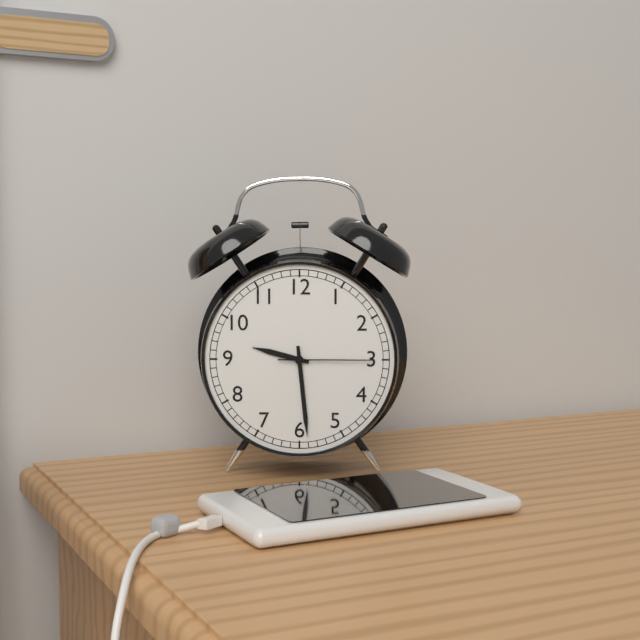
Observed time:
h=9 m=29 s=15
